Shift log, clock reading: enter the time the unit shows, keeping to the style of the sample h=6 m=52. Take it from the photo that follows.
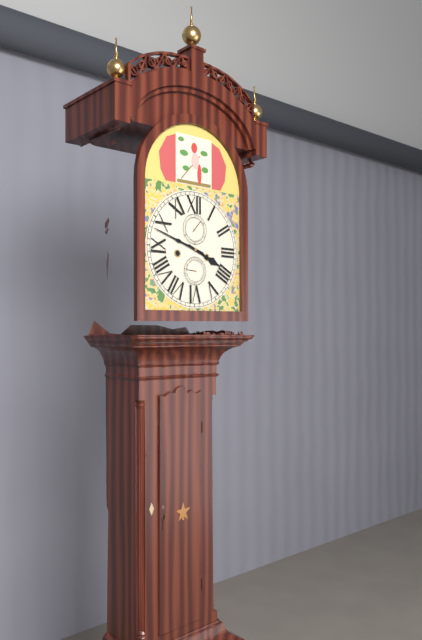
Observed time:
h=3 m=48
